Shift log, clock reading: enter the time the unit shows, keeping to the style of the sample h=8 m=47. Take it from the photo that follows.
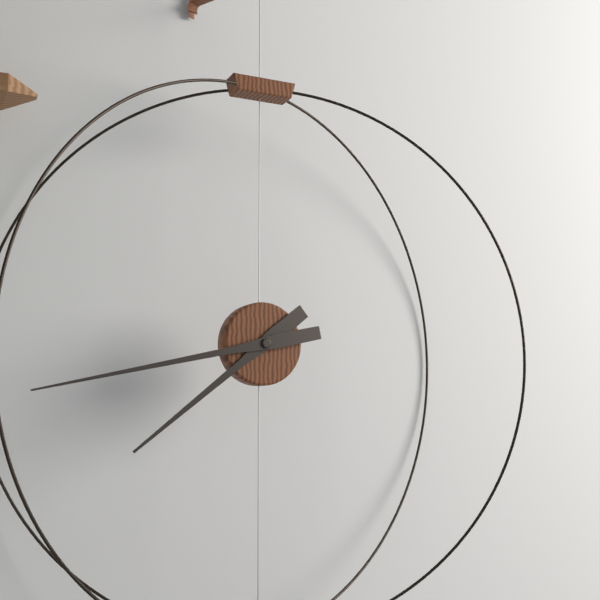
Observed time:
h=7 m=43
